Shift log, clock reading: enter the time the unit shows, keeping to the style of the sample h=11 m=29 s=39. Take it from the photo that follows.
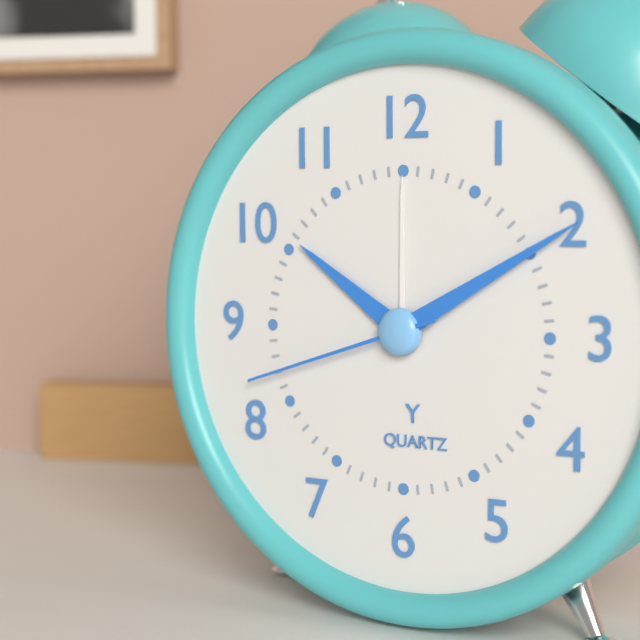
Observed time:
h=10 m=10 s=42
